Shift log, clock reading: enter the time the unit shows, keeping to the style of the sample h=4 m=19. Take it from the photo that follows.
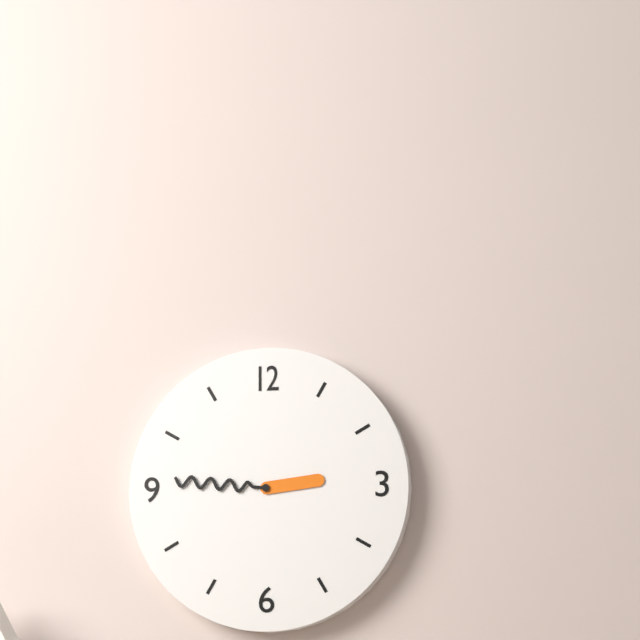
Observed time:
h=2 m=46
